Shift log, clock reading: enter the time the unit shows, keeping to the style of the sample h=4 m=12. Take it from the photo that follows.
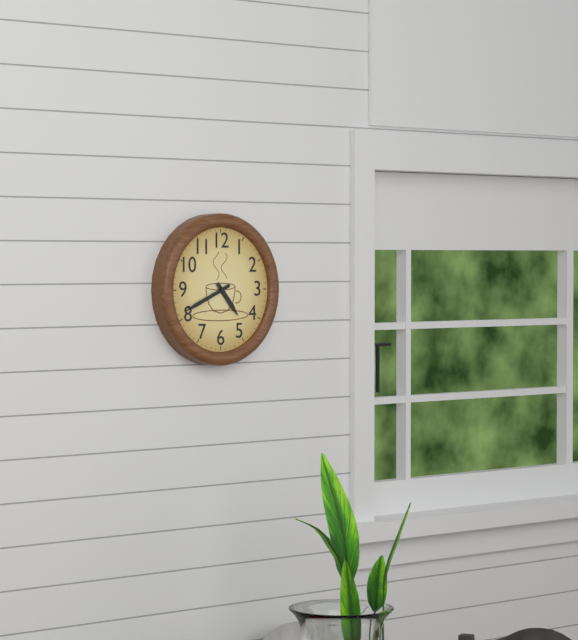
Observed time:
h=4 m=41
